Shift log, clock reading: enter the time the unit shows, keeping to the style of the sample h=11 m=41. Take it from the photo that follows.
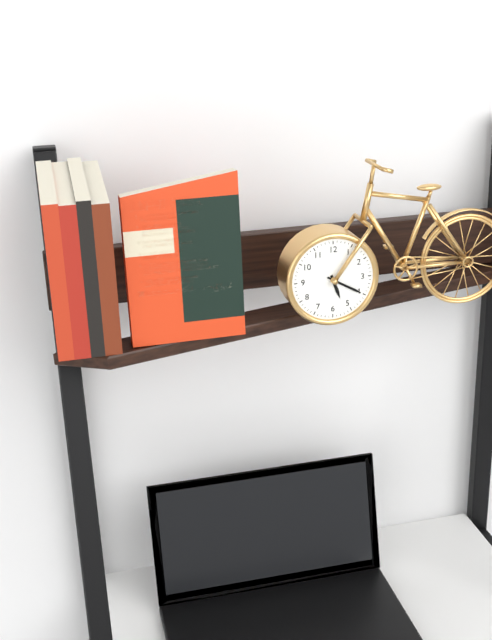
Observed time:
h=5 m=20
